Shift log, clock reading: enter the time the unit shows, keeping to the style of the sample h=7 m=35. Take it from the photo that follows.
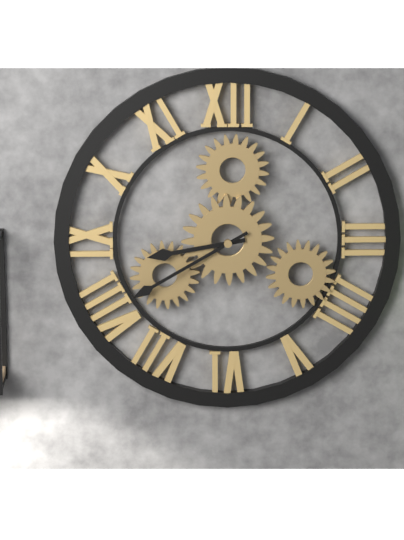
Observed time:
h=8 m=40
